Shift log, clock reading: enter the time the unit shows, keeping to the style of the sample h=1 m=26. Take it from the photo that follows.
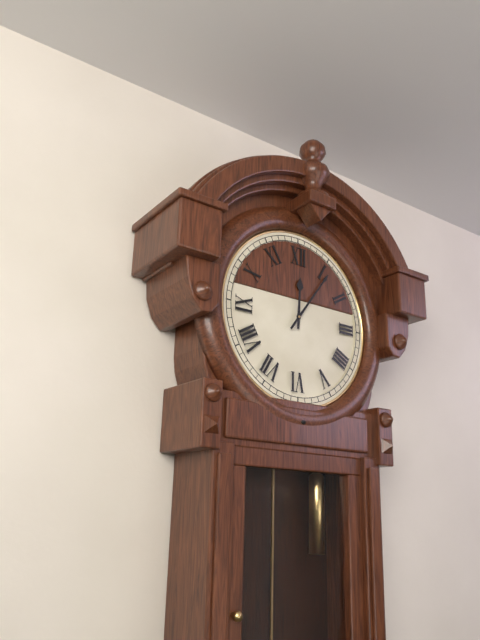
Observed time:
h=12 m=6
